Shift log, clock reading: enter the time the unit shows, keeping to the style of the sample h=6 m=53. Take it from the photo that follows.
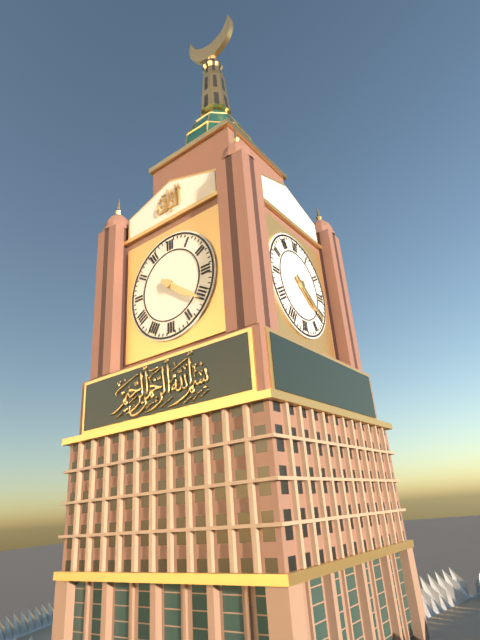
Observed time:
h=4 m=21
